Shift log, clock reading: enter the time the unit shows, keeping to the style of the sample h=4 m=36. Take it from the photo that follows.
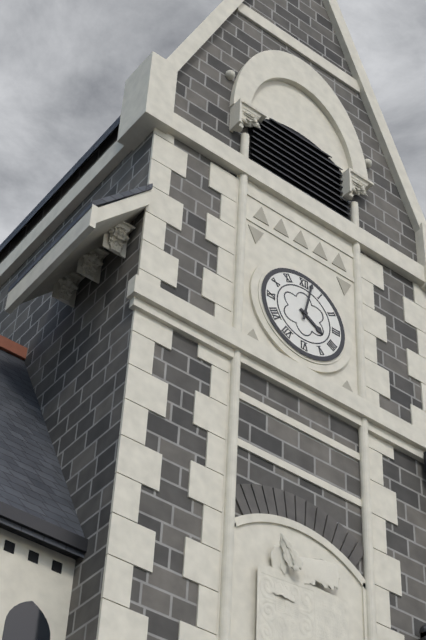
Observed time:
h=4 m=2
